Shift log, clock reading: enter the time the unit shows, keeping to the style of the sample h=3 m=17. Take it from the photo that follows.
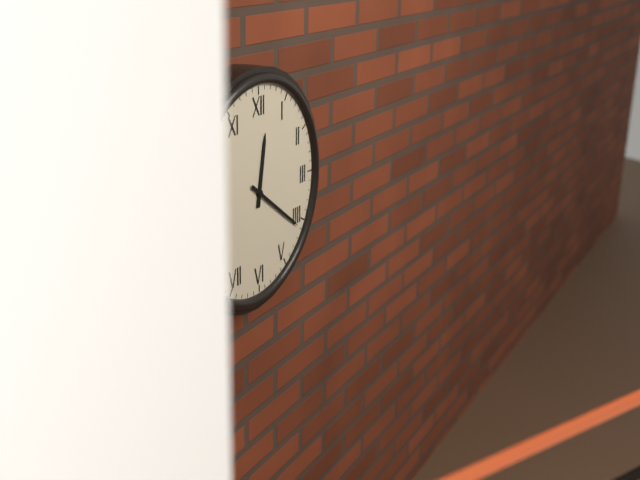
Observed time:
h=12 m=21
